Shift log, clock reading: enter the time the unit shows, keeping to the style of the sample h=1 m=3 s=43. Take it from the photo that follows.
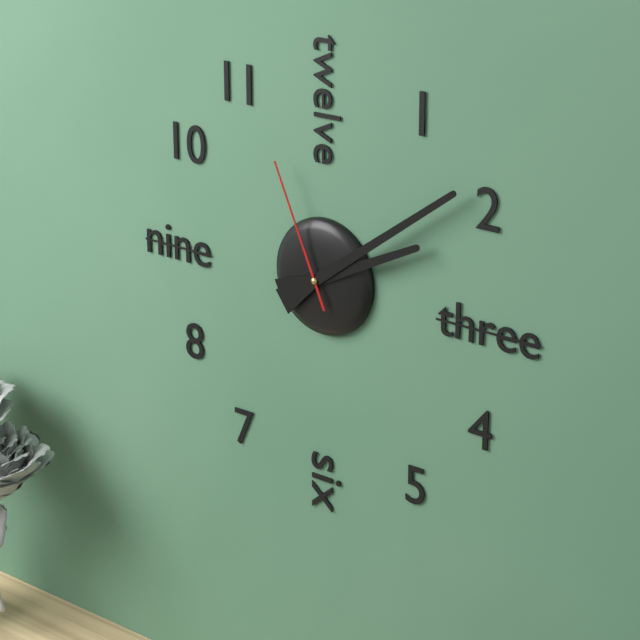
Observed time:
h=2 m=9 s=56
